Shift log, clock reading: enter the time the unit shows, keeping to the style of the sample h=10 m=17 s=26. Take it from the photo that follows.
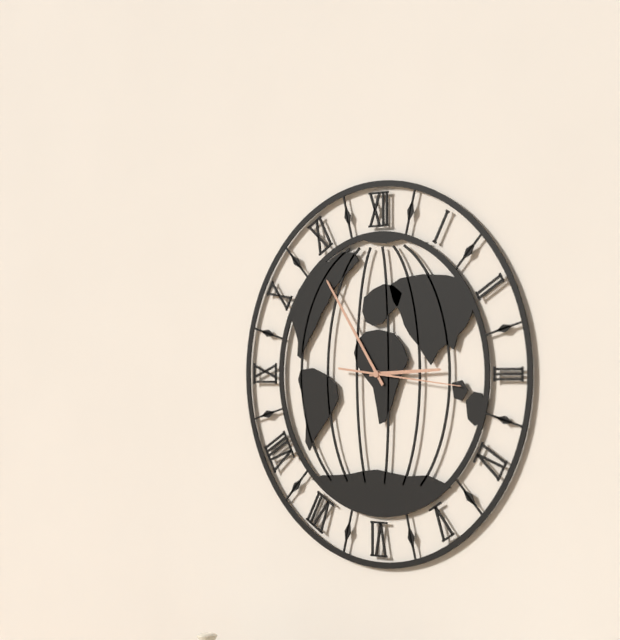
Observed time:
h=2 m=54 s=16
